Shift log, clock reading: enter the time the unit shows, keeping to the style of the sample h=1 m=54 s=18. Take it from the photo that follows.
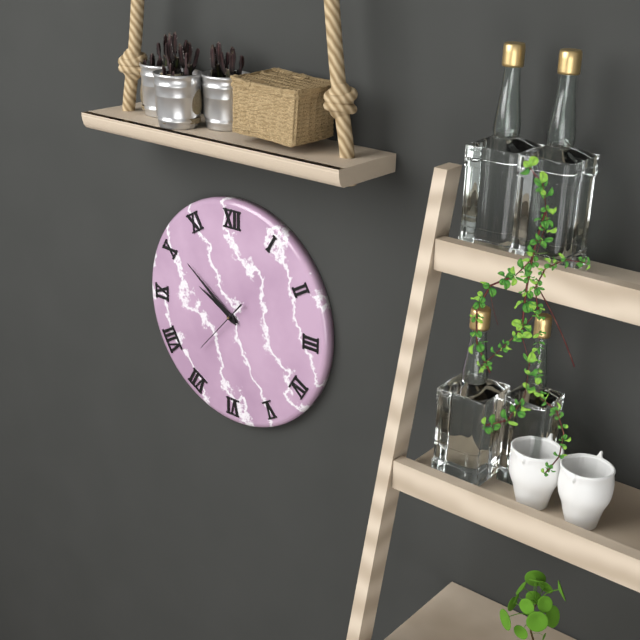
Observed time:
h=9 m=51 s=37
